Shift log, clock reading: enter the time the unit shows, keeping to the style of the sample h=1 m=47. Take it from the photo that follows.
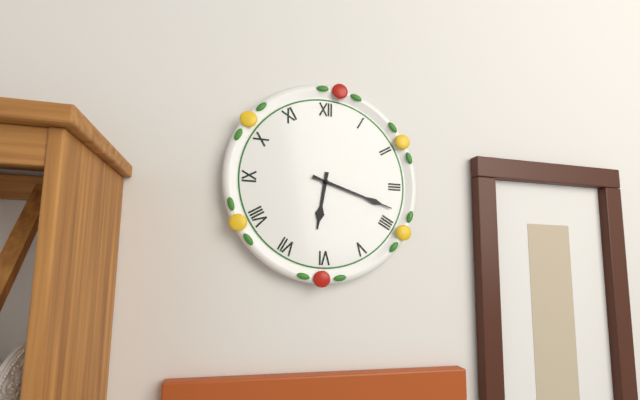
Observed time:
h=6 m=18
